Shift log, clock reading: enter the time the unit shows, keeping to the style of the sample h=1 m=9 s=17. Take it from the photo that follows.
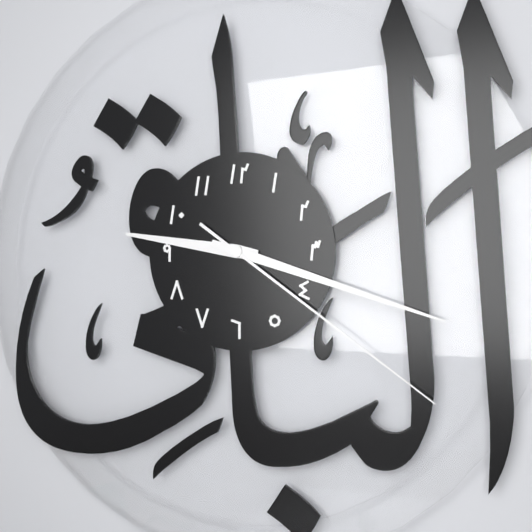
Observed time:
h=9 m=18 s=21
